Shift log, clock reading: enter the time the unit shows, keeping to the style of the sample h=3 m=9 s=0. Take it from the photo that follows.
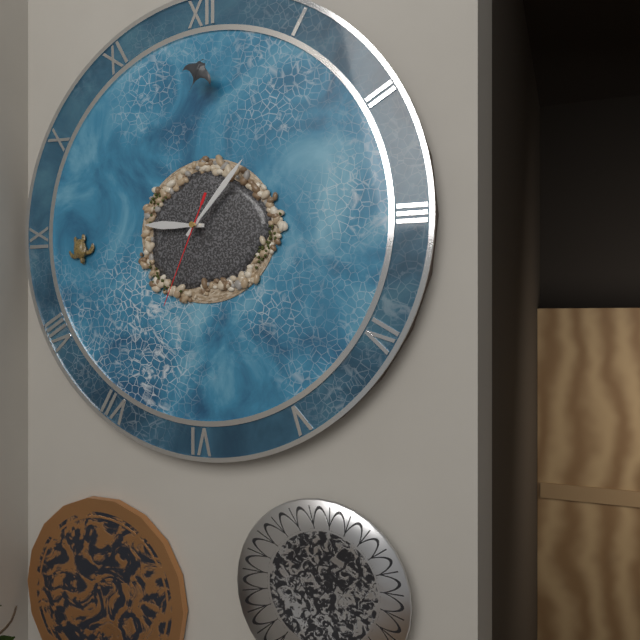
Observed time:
h=9 m=7 s=34
